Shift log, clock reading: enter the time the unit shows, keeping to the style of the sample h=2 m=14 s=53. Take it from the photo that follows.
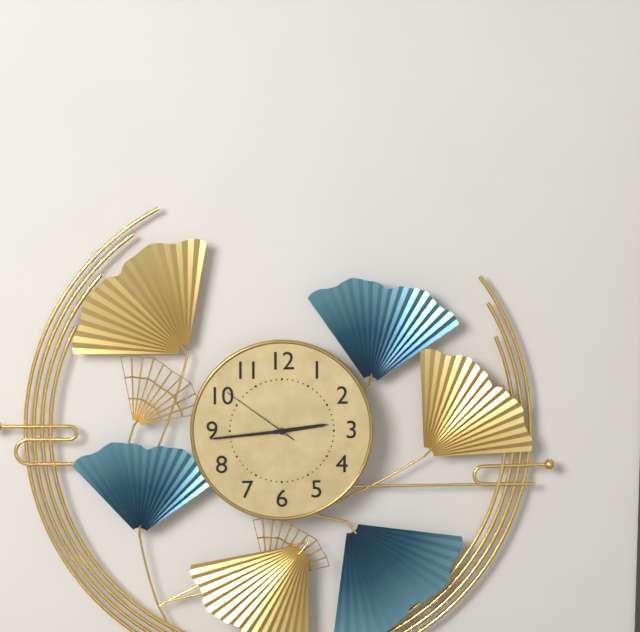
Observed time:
h=2 m=44 s=51
